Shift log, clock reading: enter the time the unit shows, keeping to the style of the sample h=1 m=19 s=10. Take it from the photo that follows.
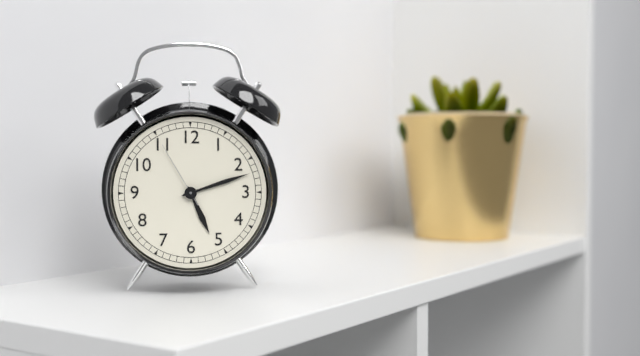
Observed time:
h=5 m=12 s=55
